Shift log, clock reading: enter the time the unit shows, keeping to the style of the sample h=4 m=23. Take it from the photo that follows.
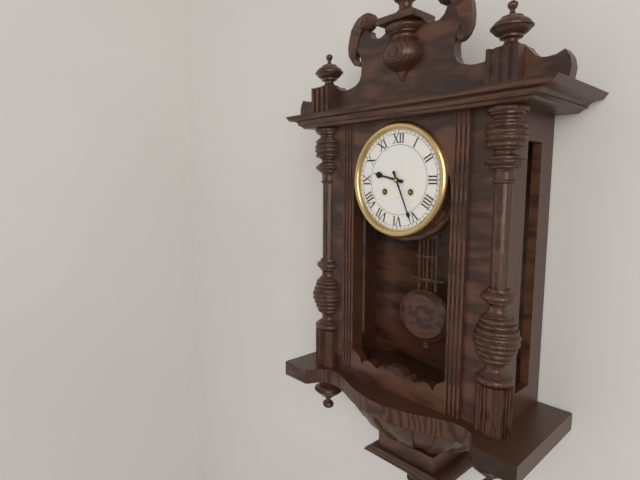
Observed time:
h=9 m=26
